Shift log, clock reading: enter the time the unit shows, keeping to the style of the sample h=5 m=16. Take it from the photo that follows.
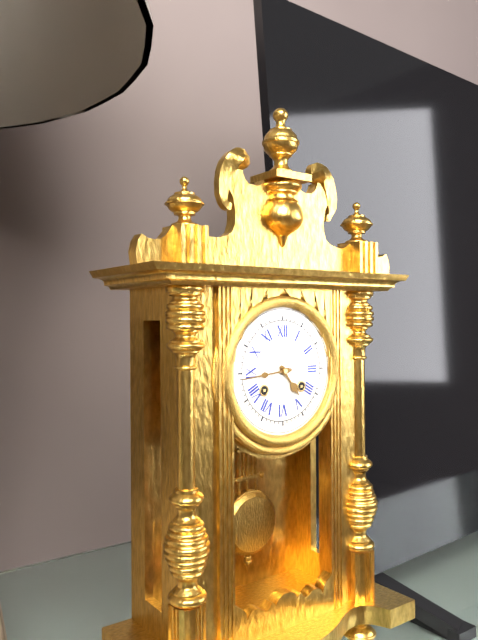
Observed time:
h=4 m=44
